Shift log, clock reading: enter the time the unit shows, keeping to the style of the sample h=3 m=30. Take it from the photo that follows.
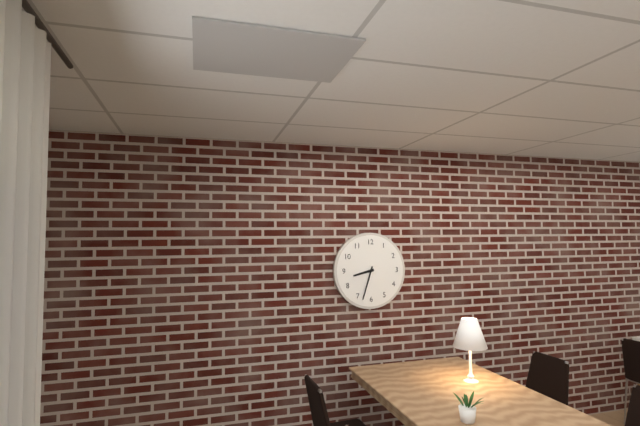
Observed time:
h=8 m=33
